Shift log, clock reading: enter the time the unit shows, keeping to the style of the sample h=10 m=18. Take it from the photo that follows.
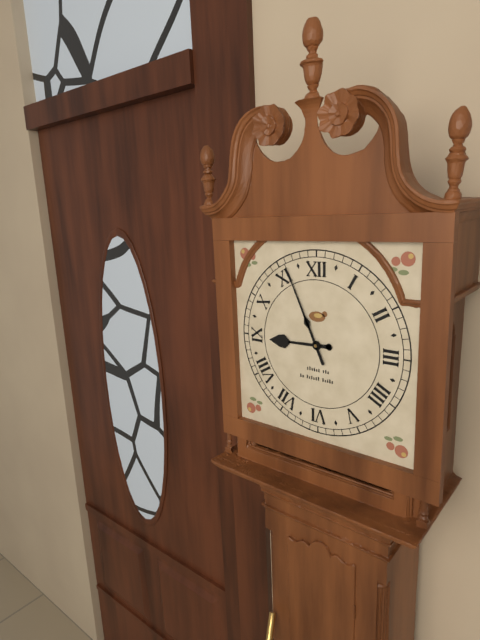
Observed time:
h=8 m=56
